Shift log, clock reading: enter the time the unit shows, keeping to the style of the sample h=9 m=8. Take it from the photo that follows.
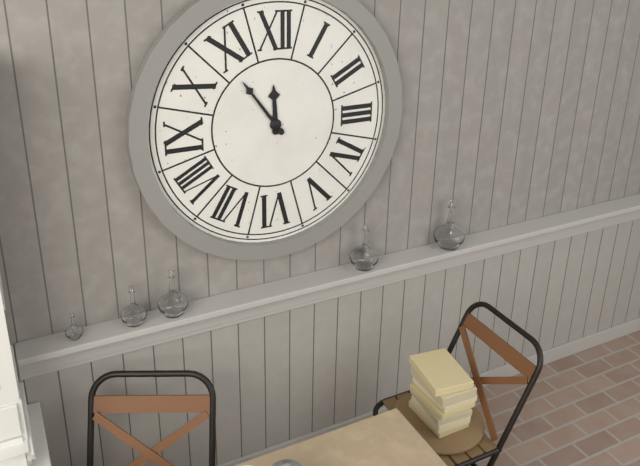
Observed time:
h=11 m=54
